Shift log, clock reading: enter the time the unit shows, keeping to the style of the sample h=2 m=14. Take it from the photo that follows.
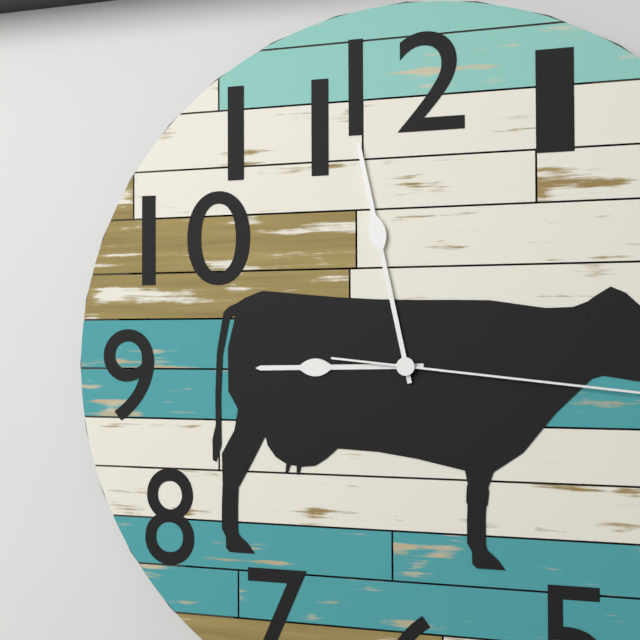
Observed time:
h=8 m=58
